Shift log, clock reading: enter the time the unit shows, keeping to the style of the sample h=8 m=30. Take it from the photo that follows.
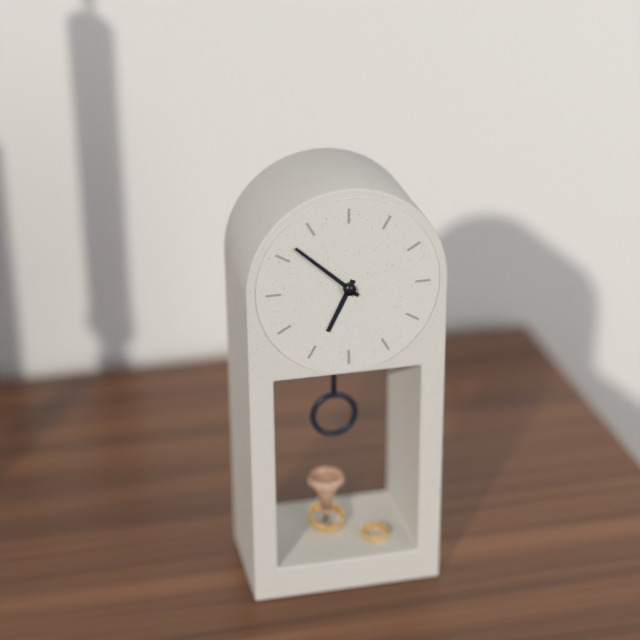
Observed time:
h=6 m=52
